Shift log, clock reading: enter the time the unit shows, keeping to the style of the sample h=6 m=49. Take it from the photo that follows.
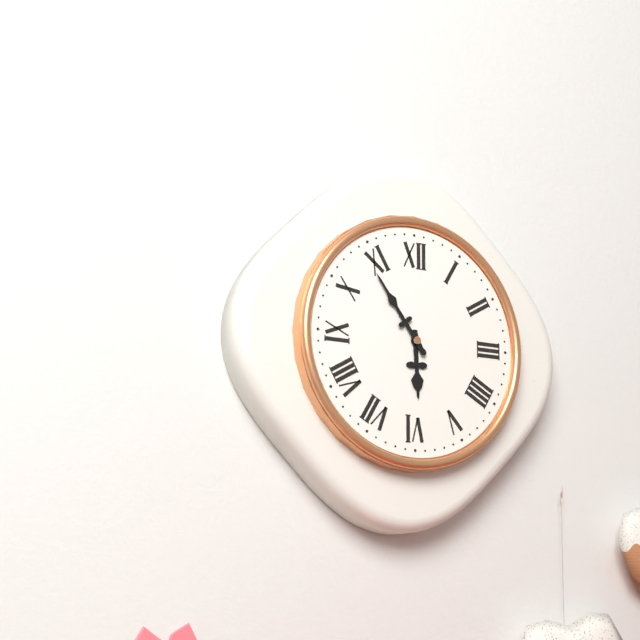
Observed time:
h=5 m=54
